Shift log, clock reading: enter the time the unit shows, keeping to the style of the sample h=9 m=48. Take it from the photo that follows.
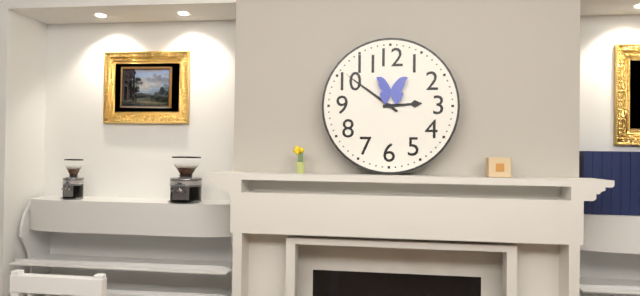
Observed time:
h=2 m=51
